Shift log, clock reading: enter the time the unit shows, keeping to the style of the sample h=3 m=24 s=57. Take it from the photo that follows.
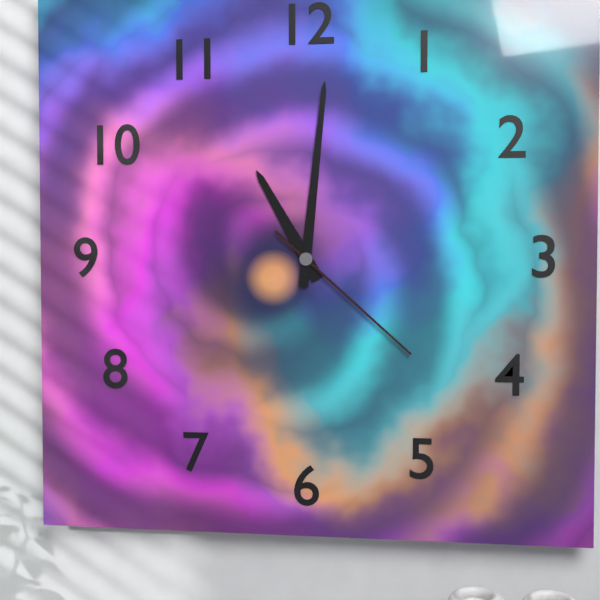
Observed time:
h=11 m=1 s=22
